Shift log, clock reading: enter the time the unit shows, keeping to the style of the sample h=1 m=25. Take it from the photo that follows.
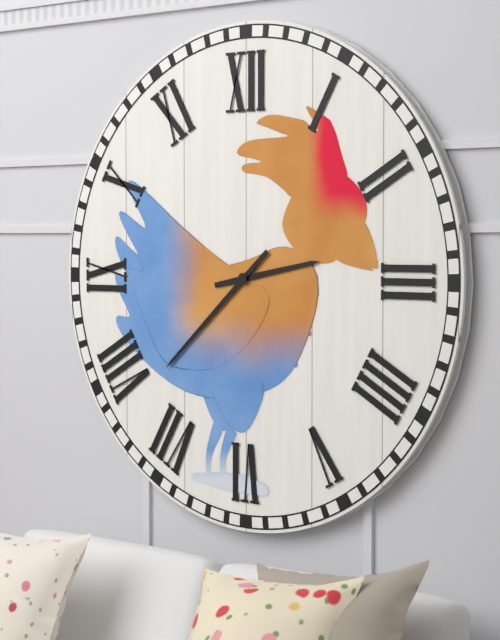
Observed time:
h=2 m=38
